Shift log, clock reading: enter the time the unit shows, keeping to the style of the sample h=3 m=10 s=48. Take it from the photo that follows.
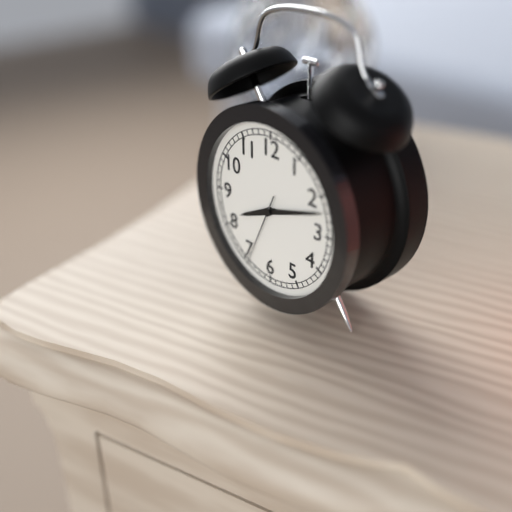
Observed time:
h=8 m=12 s=34
